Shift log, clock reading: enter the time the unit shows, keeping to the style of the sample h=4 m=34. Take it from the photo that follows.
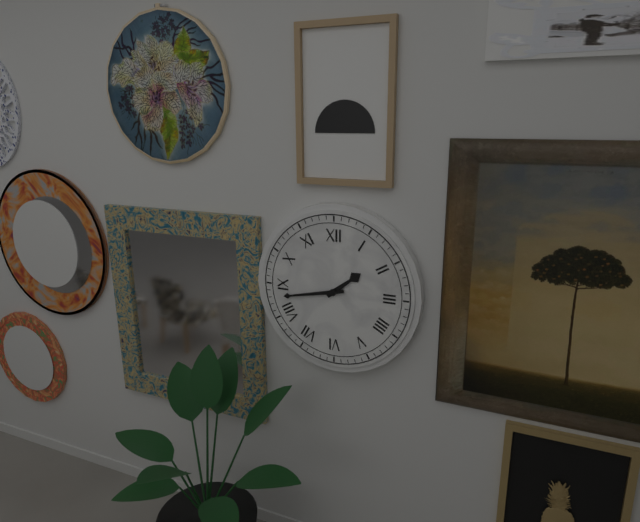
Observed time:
h=1 m=43
